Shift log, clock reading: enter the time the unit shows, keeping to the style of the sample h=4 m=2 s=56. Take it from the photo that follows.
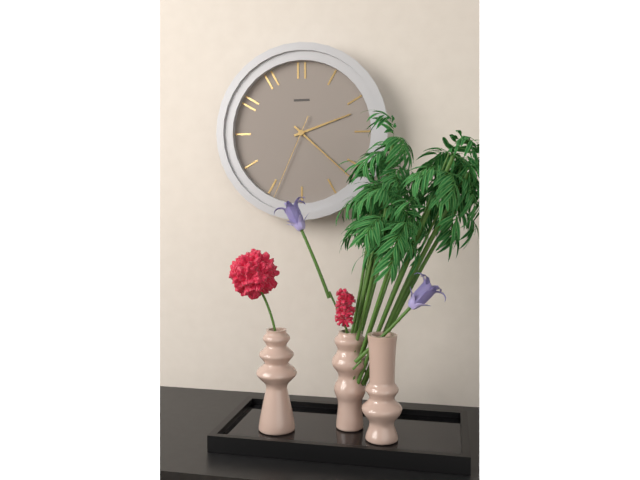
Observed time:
h=2 m=22 s=34
